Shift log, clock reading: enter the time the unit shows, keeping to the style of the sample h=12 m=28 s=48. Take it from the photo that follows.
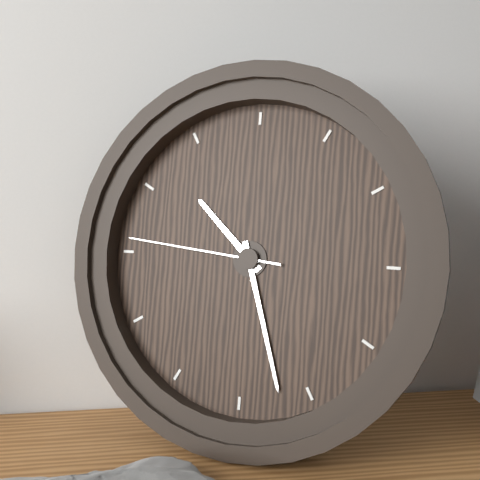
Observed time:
h=10 m=27 s=46
